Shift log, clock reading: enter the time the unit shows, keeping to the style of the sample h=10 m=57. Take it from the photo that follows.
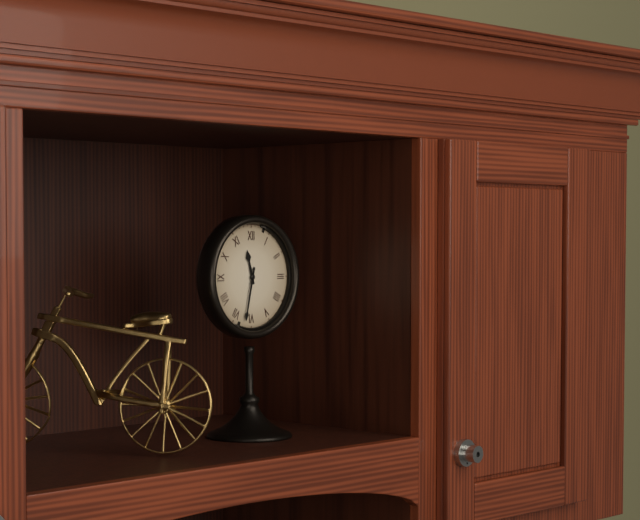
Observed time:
h=11 m=32
